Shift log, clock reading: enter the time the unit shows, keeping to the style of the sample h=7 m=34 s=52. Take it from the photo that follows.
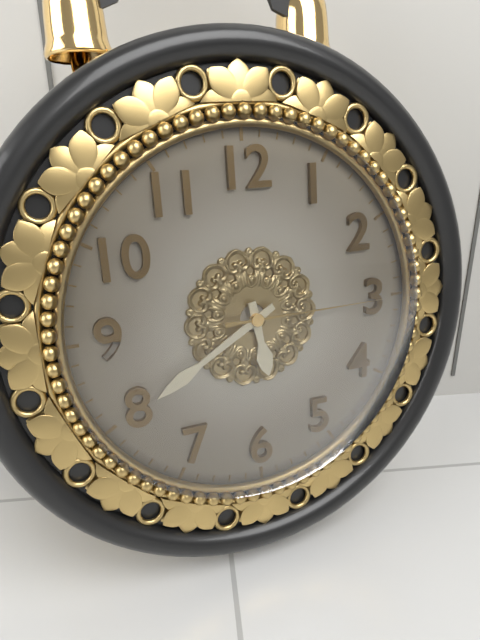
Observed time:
h=5 m=40 s=15
